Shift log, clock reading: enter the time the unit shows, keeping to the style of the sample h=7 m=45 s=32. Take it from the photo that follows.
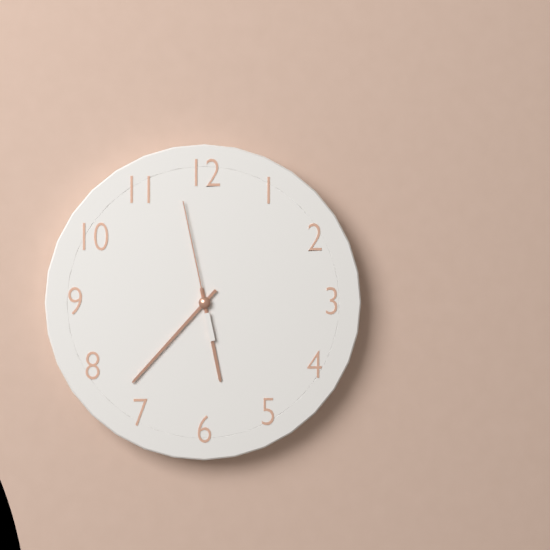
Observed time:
h=5 m=37 s=58
